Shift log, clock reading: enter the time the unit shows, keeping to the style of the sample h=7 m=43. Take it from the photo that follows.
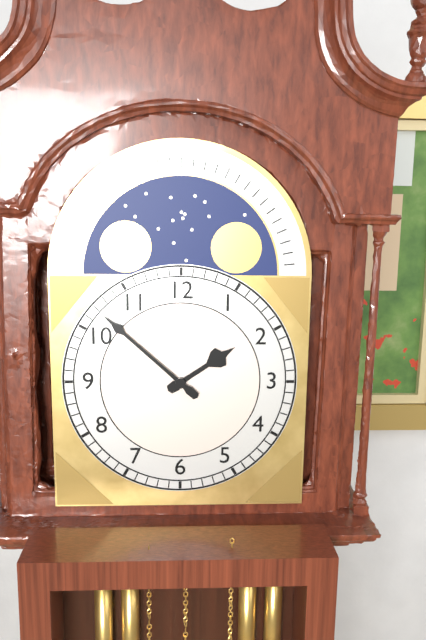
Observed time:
h=1 m=52
